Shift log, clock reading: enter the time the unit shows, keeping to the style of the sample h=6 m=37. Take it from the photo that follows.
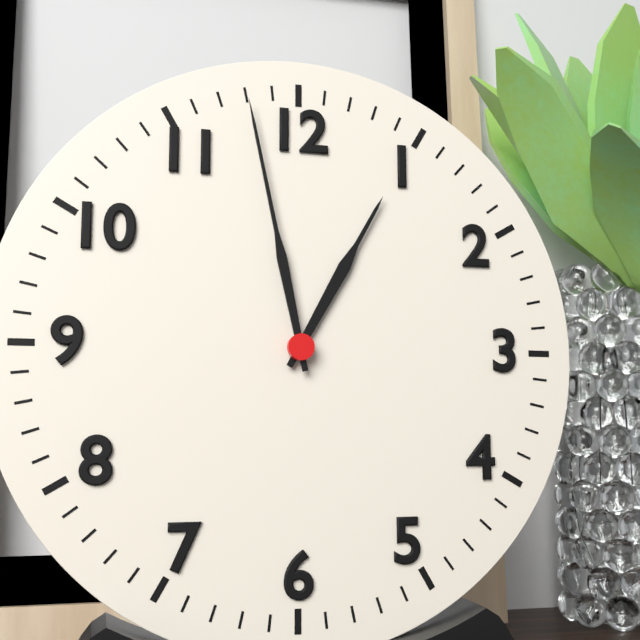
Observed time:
h=12 m=58
